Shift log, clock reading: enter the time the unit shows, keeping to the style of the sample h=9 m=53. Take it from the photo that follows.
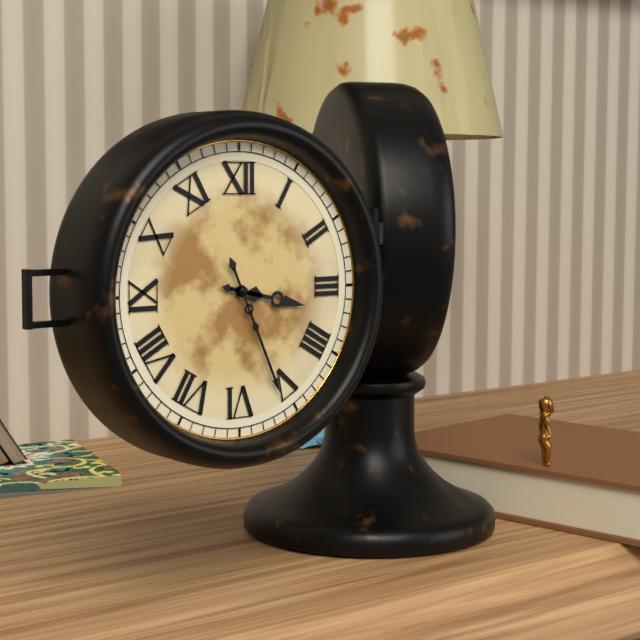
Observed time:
h=3 m=26
